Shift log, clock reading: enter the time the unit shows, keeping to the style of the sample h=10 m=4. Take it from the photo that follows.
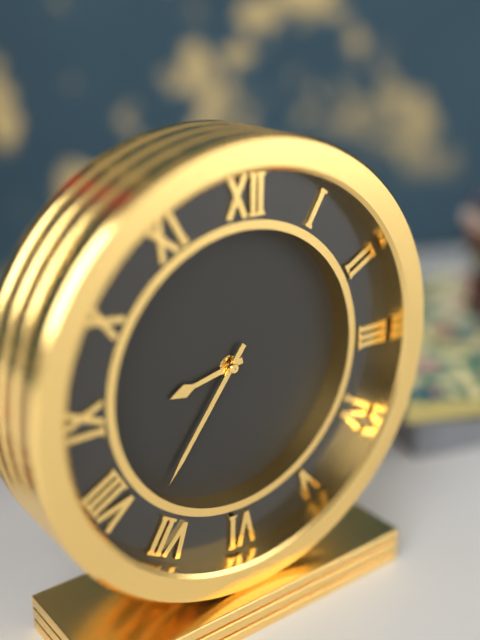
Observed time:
h=8 m=36
